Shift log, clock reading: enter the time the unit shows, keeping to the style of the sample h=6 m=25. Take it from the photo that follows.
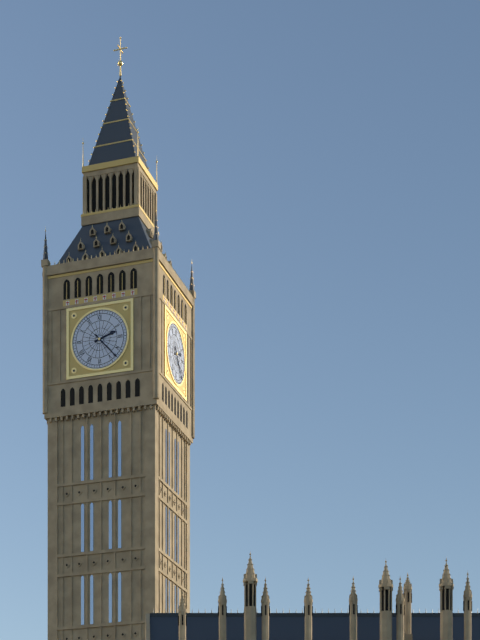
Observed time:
h=2 m=23
